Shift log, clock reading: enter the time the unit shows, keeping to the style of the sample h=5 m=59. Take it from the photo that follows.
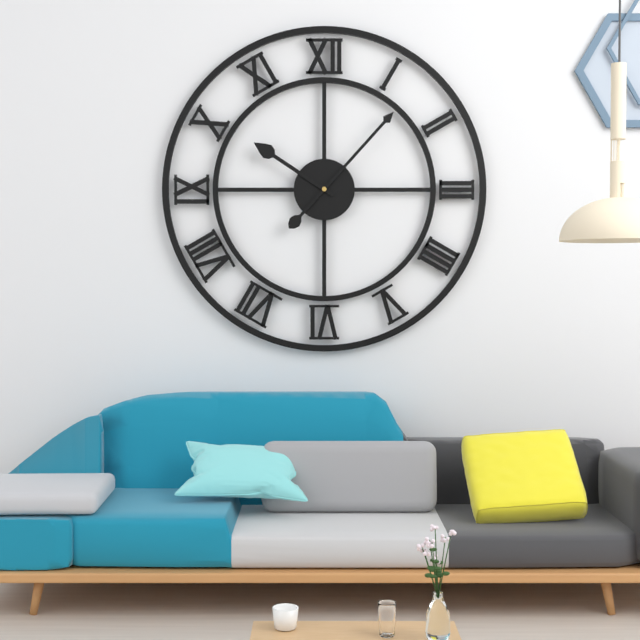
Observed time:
h=10 m=7
